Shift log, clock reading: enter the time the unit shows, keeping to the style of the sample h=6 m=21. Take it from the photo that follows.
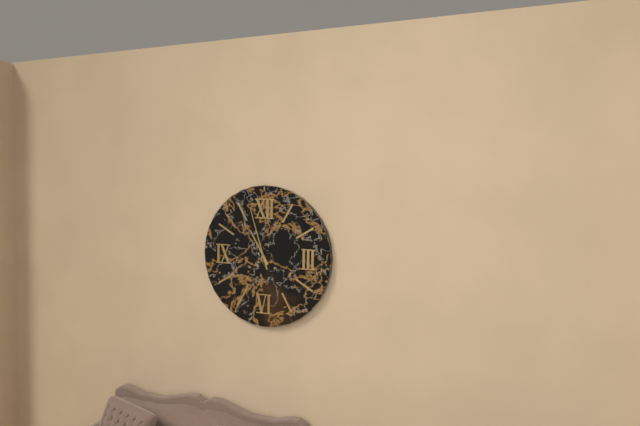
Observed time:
h=10 m=57
